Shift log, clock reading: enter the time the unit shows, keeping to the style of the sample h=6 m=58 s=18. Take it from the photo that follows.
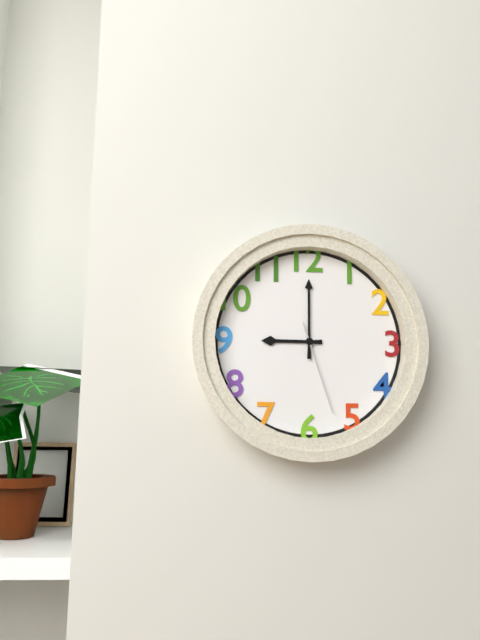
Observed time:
h=9 m=0 s=27
